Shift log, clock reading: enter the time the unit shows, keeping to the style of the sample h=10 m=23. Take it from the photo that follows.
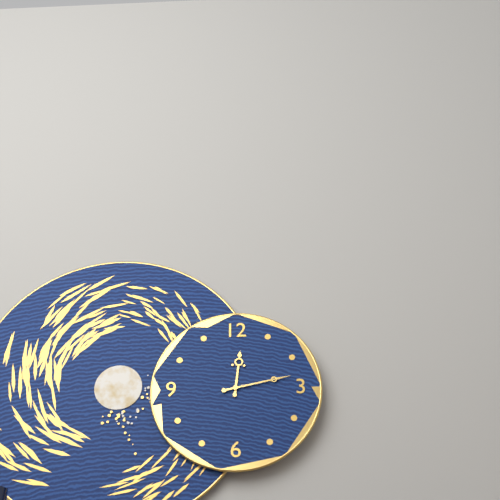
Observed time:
h=12 m=13
